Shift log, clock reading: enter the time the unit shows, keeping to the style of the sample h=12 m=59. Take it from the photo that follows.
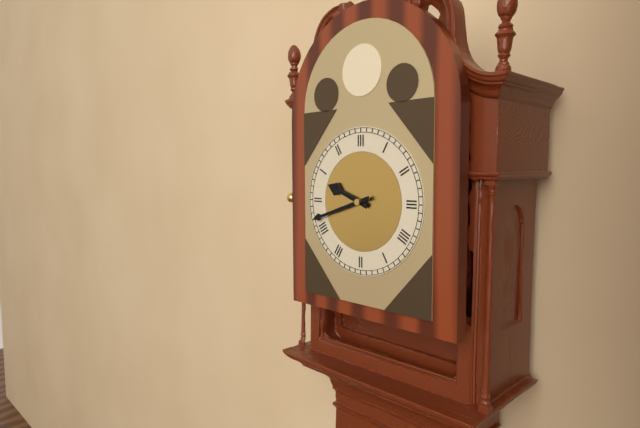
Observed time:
h=9 m=42
